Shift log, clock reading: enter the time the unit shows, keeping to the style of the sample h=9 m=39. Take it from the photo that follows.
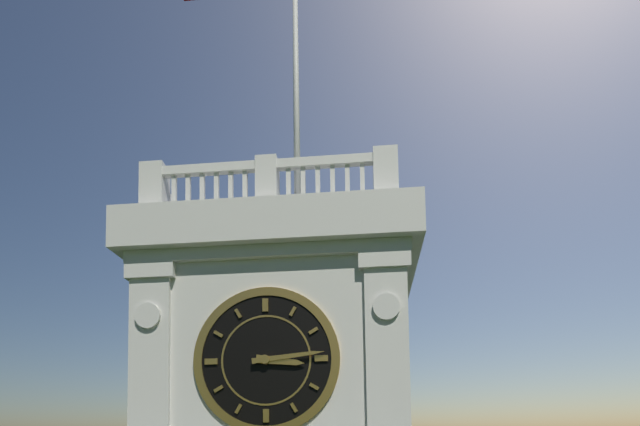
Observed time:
h=3 m=14
